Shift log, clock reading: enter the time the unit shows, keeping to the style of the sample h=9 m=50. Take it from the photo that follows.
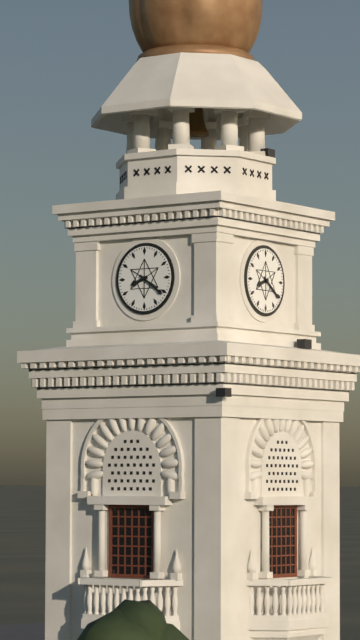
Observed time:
h=8 m=21
